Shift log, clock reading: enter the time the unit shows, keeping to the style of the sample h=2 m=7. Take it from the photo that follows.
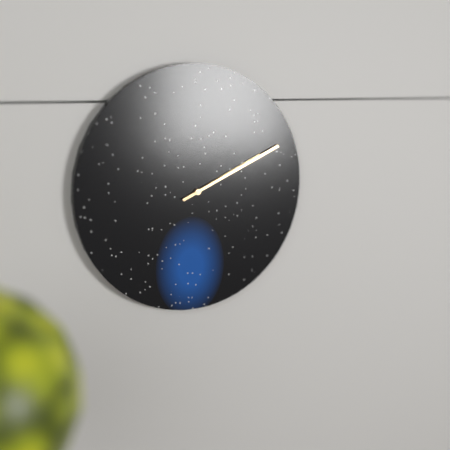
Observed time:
h=2 m=11
